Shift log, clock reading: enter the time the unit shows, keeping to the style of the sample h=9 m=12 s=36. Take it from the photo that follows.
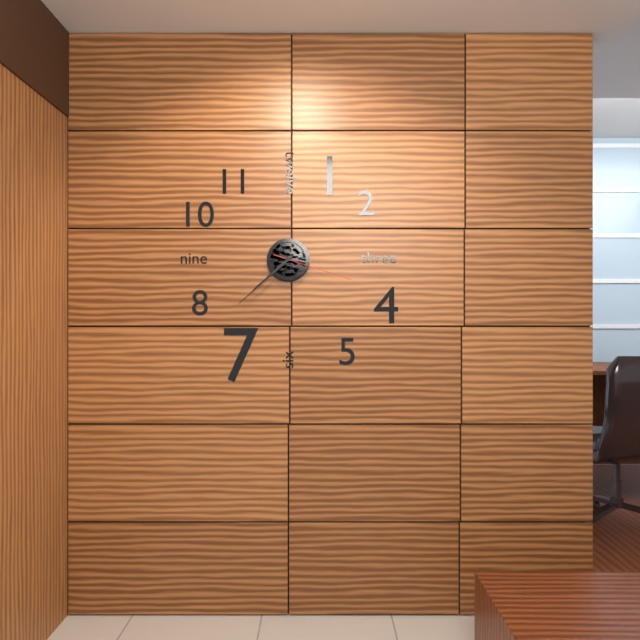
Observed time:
h=7 m=38 s=18
